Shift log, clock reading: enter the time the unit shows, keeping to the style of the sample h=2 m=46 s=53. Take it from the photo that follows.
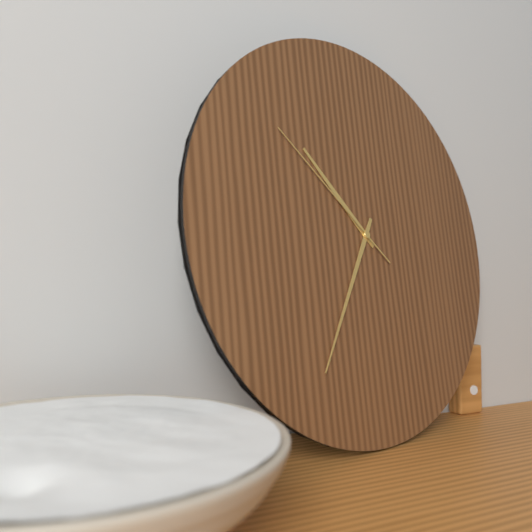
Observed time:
h=10 m=35 s=52
